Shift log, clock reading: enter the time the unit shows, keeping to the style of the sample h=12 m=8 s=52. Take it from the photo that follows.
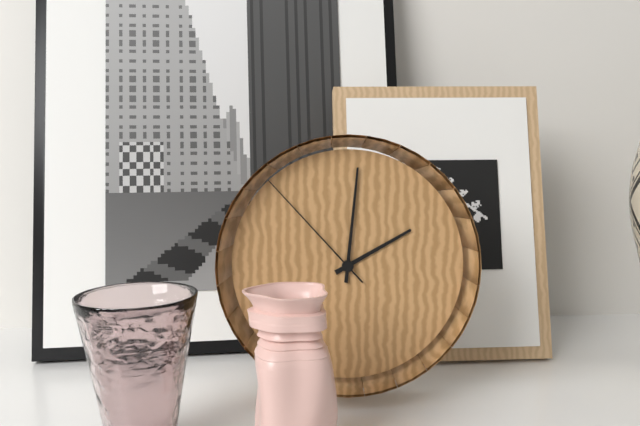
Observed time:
h=2 m=1 s=53
